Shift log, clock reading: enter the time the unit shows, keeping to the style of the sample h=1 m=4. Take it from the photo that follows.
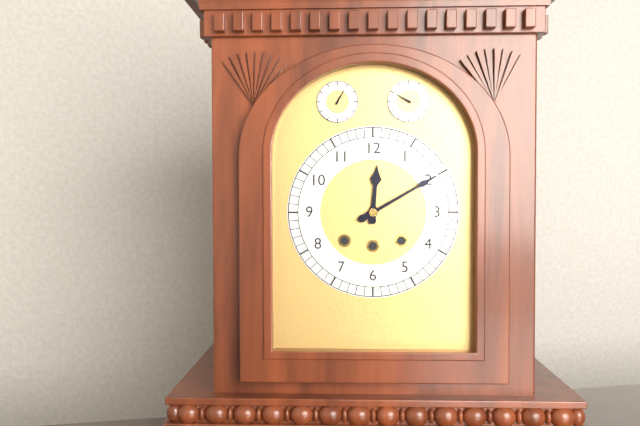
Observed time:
h=12 m=10
